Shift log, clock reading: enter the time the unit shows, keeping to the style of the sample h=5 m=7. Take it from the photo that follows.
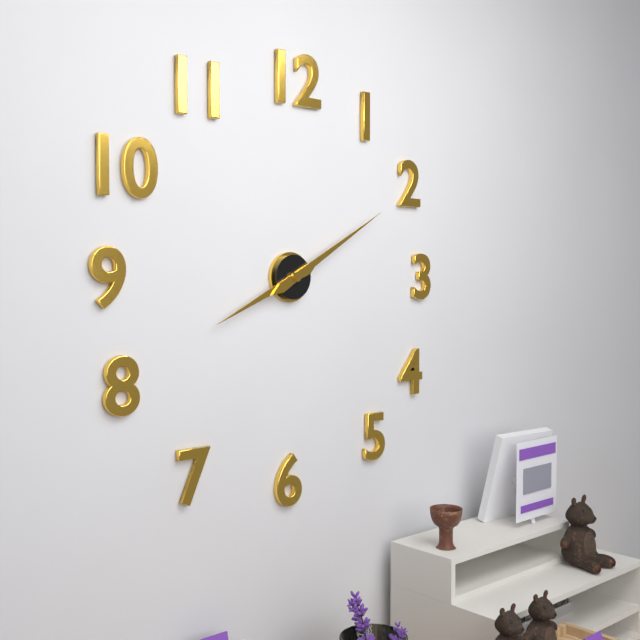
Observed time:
h=8 m=10
